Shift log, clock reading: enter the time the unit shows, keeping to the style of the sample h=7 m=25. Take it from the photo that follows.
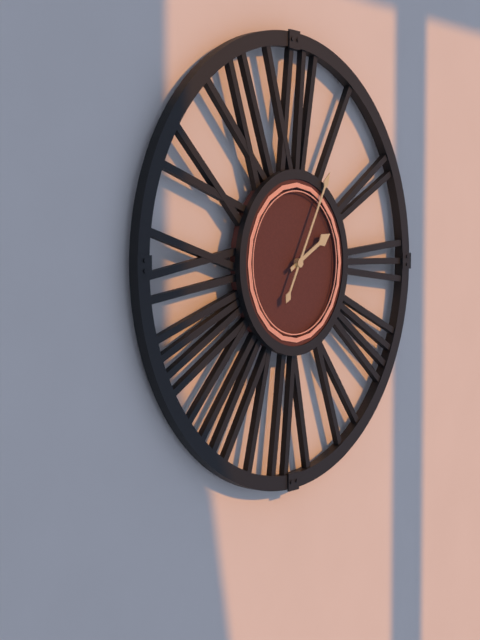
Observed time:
h=2 m=5
